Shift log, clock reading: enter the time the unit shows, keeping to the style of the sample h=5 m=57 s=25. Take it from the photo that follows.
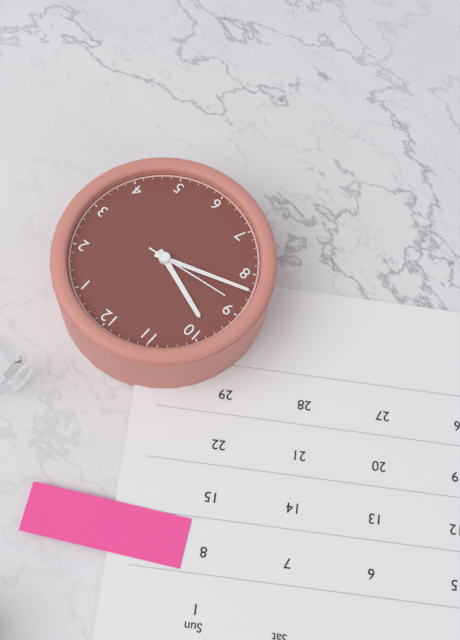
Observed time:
h=9 m=42 s=44
